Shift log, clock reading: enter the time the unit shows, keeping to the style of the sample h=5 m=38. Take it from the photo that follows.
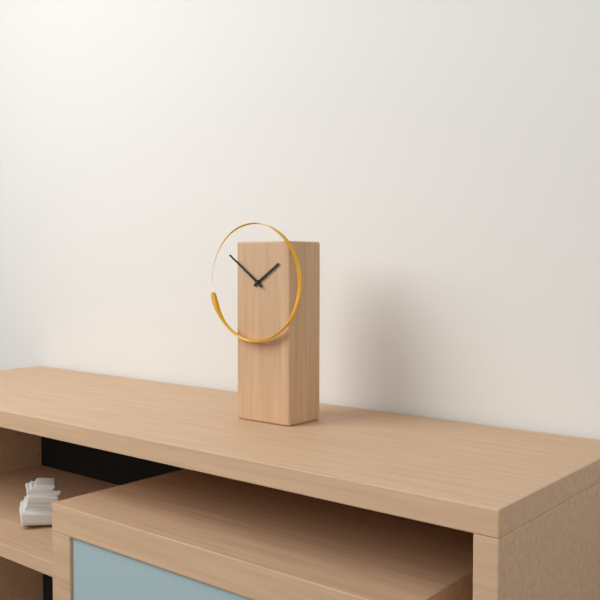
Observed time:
h=1 m=51
